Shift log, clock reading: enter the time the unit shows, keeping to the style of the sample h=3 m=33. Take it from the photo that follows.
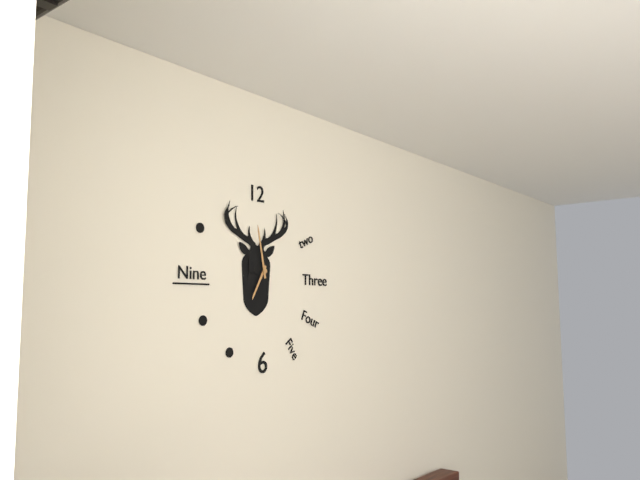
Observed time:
h=6 m=58
